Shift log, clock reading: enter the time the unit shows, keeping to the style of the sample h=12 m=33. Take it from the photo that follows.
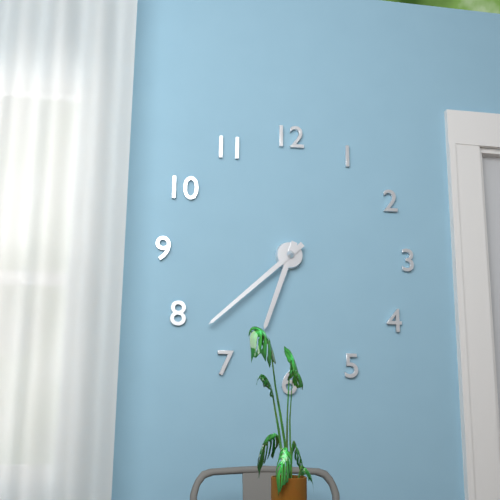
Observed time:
h=6 m=38
